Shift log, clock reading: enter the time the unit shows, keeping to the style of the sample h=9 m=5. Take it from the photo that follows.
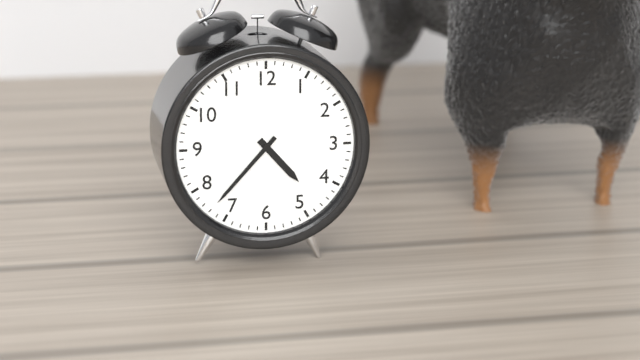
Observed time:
h=4 m=37
